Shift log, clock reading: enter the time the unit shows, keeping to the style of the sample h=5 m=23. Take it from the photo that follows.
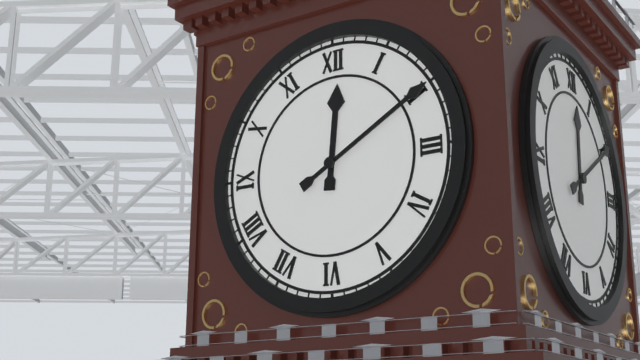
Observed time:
h=12 m=10
